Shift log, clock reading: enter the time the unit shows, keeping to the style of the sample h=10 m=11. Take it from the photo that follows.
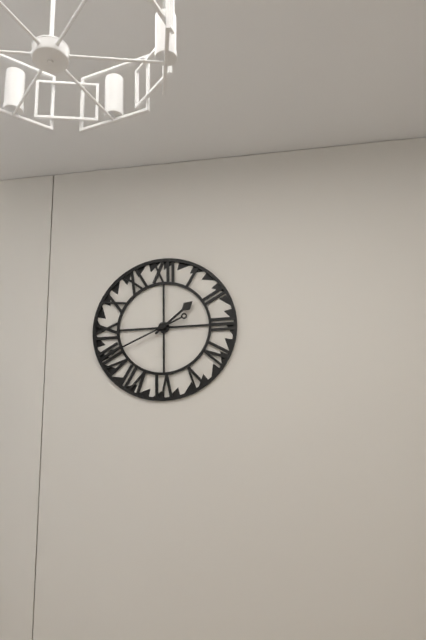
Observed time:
h=1 m=41
